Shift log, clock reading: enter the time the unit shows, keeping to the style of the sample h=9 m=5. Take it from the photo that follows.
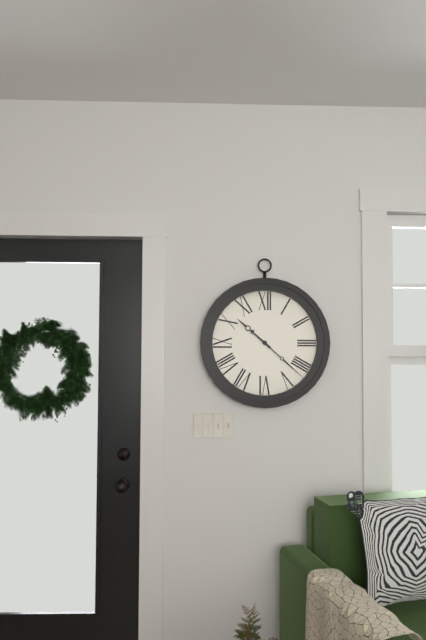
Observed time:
h=10 m=22
